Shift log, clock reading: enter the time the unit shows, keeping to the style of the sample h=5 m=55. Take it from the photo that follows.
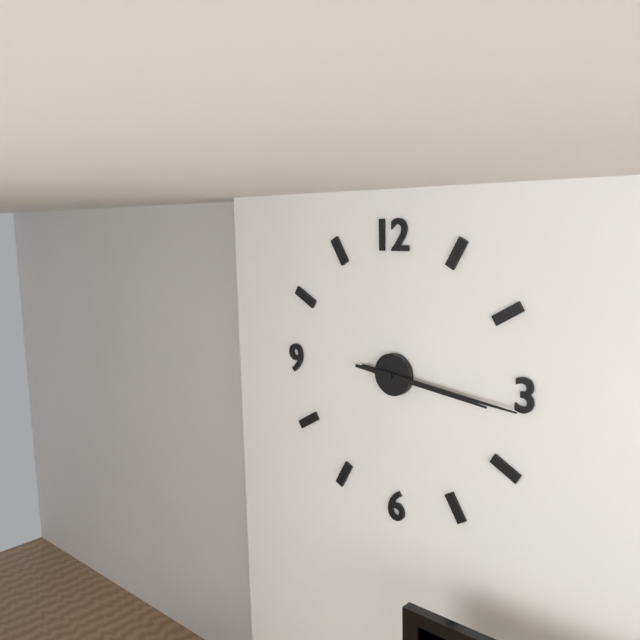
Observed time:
h=3 m=16
